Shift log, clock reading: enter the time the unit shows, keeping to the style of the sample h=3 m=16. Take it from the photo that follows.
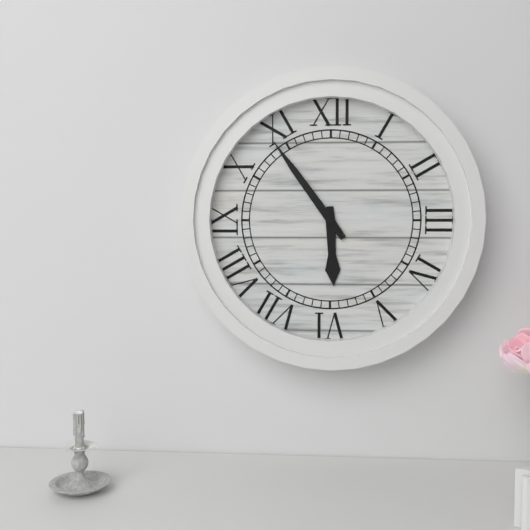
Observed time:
h=5 m=54
